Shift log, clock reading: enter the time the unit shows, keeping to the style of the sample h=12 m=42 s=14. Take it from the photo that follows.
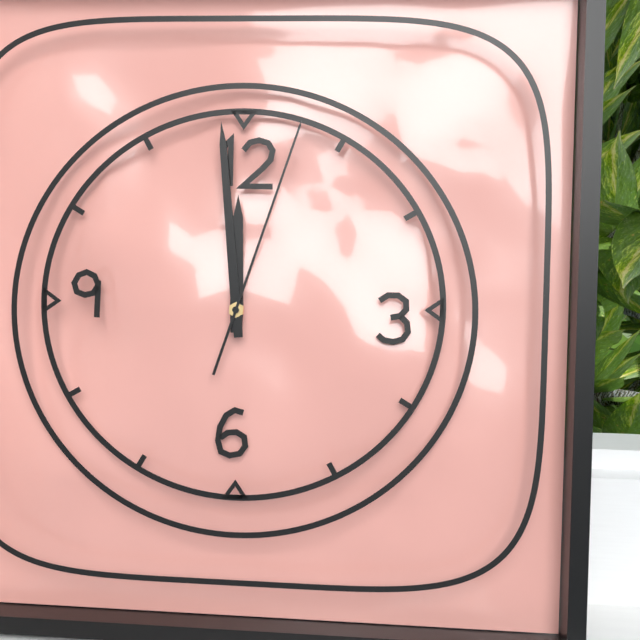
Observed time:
h=11 m=59 s=3
